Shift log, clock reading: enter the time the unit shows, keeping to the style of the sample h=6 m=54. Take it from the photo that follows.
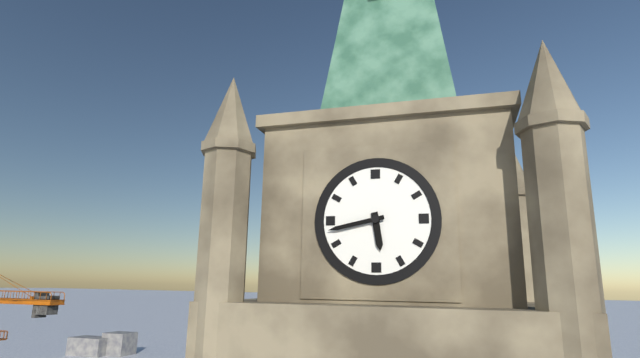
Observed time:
h=5 m=43
